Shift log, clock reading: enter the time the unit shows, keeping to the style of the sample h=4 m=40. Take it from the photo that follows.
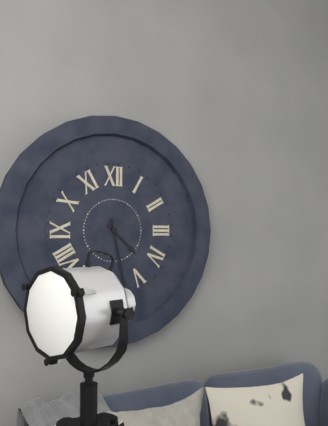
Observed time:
h=4 m=28
